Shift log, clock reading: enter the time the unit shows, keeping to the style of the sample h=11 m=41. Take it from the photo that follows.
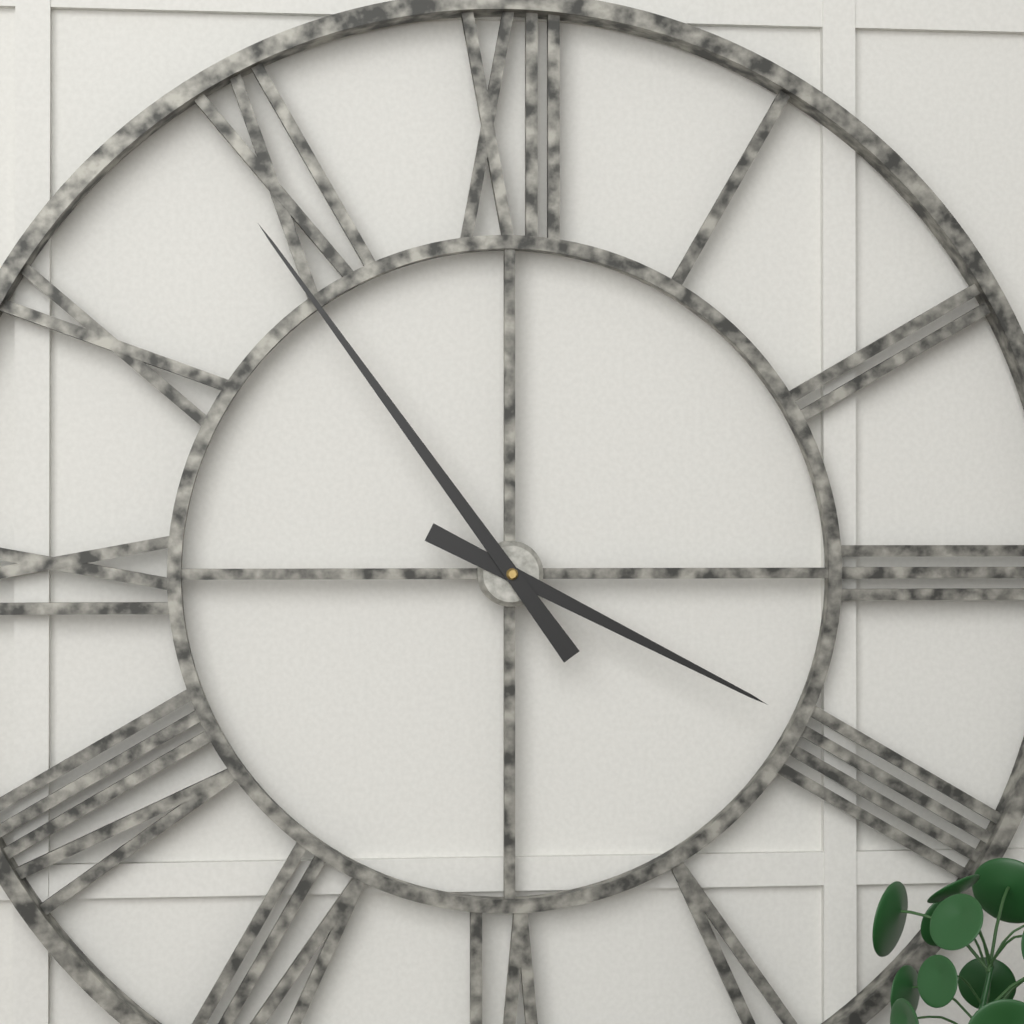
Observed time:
h=3 m=54
